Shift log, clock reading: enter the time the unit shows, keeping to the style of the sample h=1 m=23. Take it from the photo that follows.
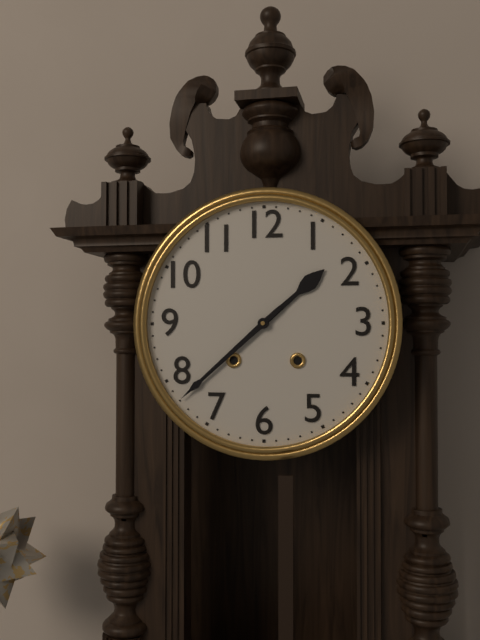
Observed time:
h=1 m=38
